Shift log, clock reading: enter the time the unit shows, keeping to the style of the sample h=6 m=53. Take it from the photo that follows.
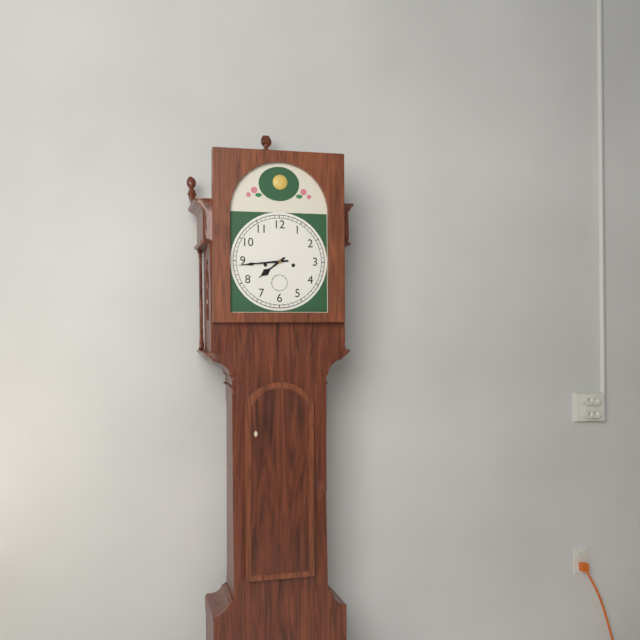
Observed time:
h=7 m=44
